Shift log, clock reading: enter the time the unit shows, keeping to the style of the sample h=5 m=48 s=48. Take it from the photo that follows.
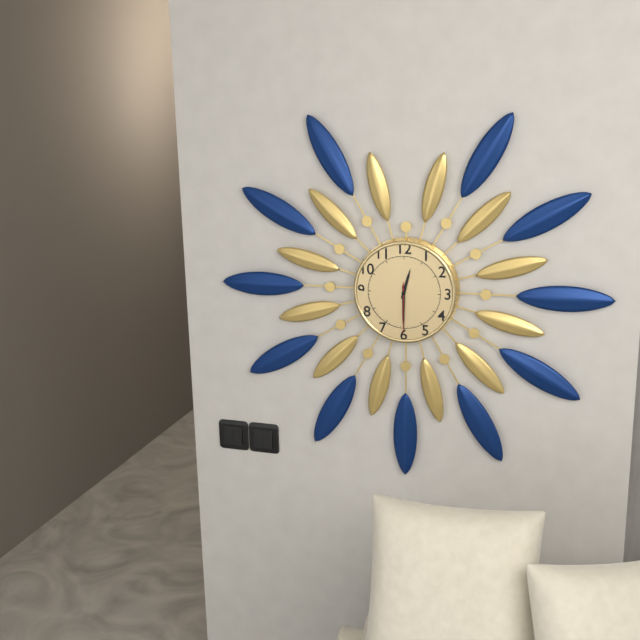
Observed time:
h=12 m=30 s=30
